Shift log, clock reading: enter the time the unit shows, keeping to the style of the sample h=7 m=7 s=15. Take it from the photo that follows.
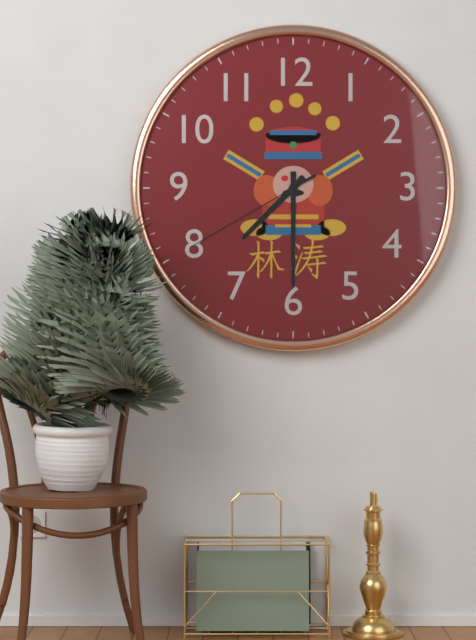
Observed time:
h=7 m=30 s=40
